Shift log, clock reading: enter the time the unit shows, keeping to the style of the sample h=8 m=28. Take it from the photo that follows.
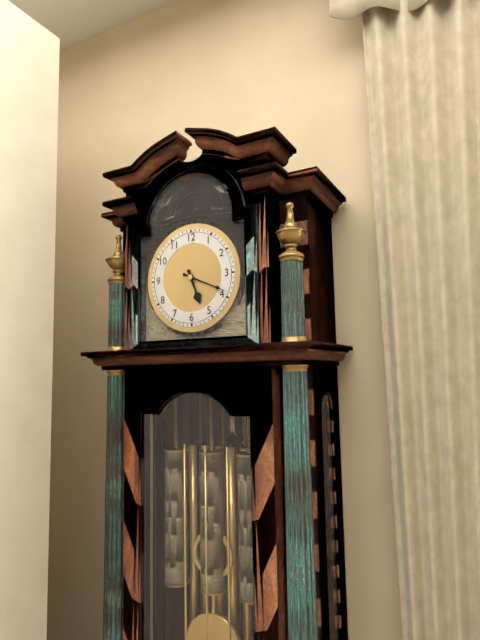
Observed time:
h=5 m=19
